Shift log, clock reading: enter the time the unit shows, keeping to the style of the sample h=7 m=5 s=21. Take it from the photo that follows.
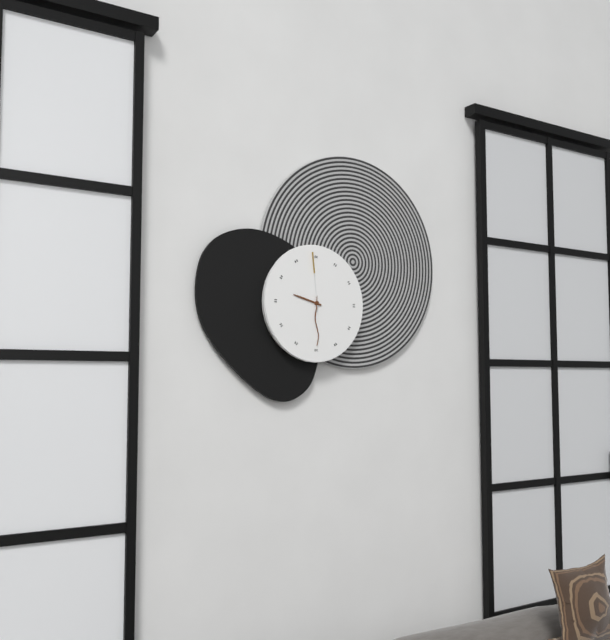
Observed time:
h=9 m=30 s=59
